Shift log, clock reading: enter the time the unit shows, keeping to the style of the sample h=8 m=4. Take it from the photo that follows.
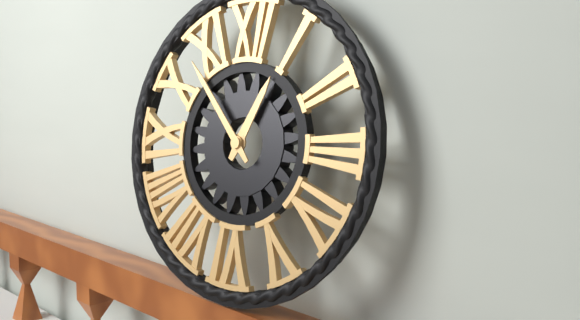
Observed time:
h=12 m=53
